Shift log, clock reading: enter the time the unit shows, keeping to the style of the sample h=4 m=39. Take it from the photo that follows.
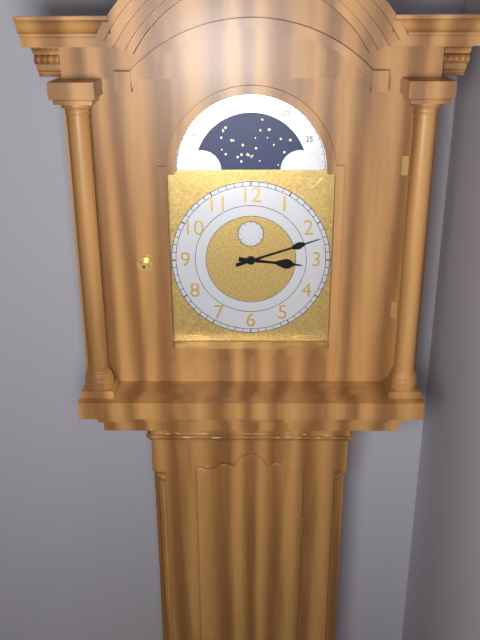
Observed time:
h=3 m=12
